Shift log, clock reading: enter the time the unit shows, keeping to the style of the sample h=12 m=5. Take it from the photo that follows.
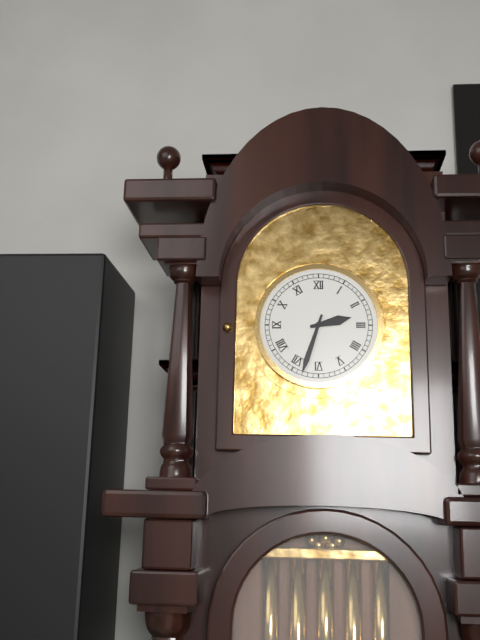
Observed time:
h=2 m=33
